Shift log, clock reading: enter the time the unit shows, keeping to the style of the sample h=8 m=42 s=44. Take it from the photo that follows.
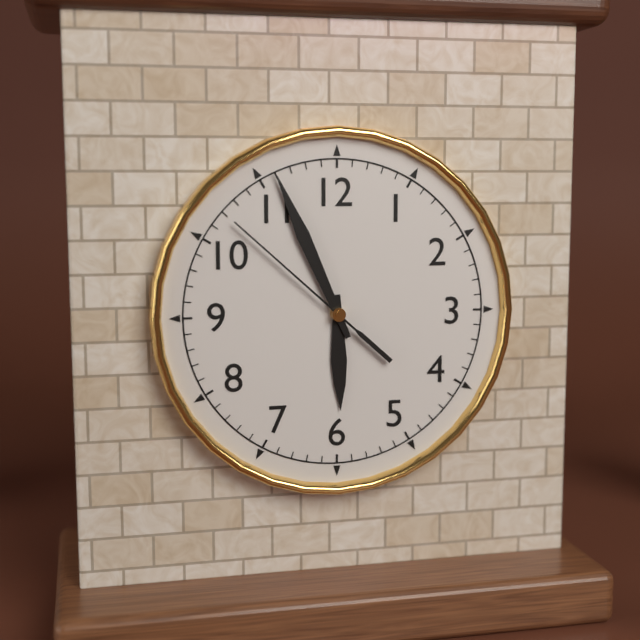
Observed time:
h=5 m=56 s=52
